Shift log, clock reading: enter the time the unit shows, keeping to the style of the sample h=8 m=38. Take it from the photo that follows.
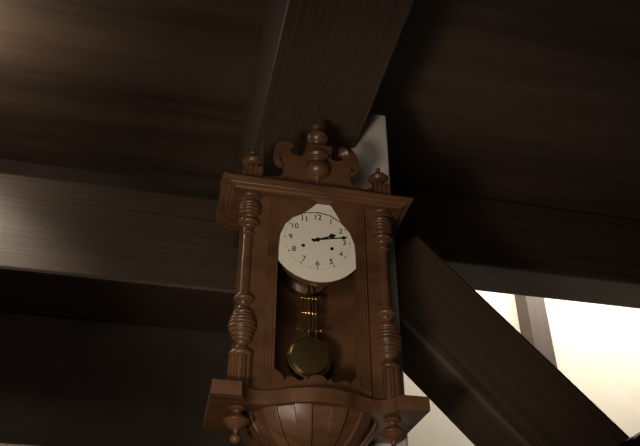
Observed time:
h=2 m=13
